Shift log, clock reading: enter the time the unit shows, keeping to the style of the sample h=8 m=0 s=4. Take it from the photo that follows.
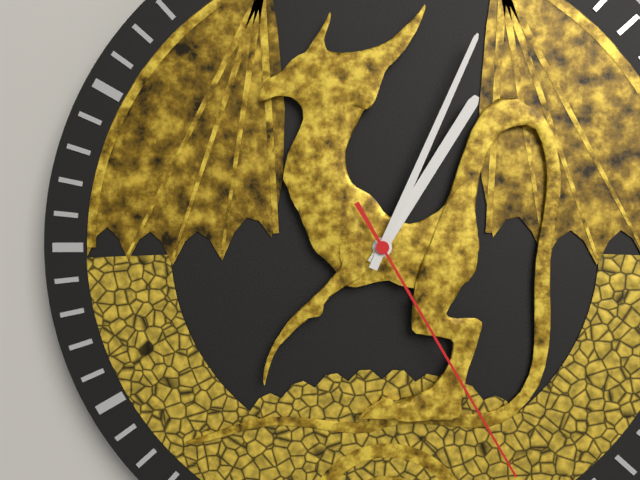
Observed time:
h=1 m=4 s=25
